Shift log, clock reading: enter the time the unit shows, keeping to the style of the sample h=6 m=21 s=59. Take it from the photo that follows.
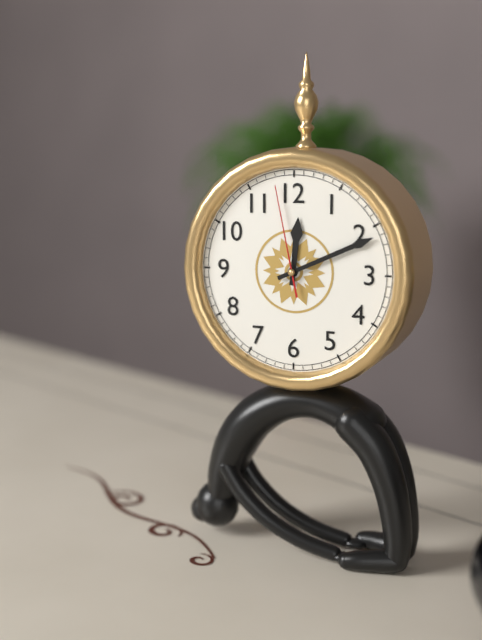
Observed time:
h=12 m=11 s=58
